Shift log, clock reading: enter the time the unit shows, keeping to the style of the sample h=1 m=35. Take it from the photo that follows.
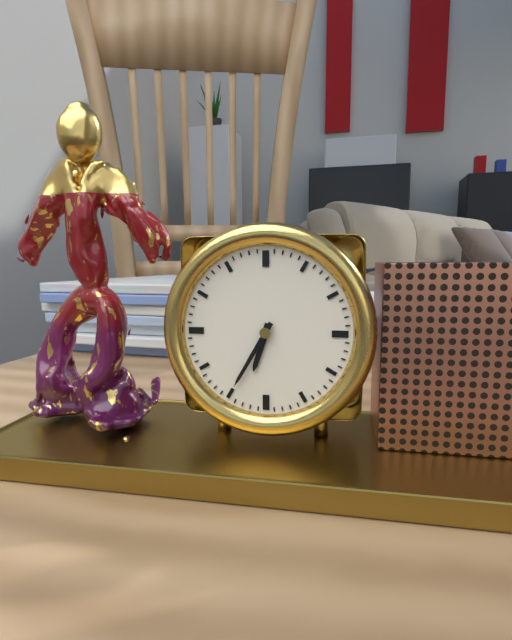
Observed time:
h=6 m=35
